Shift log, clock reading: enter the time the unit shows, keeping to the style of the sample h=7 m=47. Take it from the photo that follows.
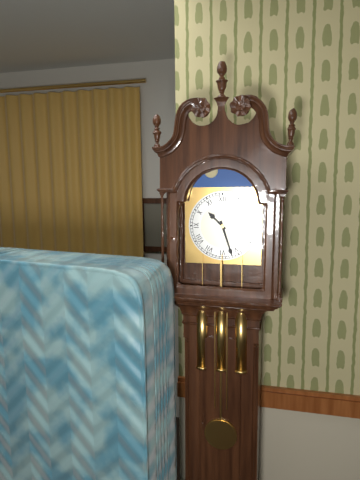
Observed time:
h=10 m=27
